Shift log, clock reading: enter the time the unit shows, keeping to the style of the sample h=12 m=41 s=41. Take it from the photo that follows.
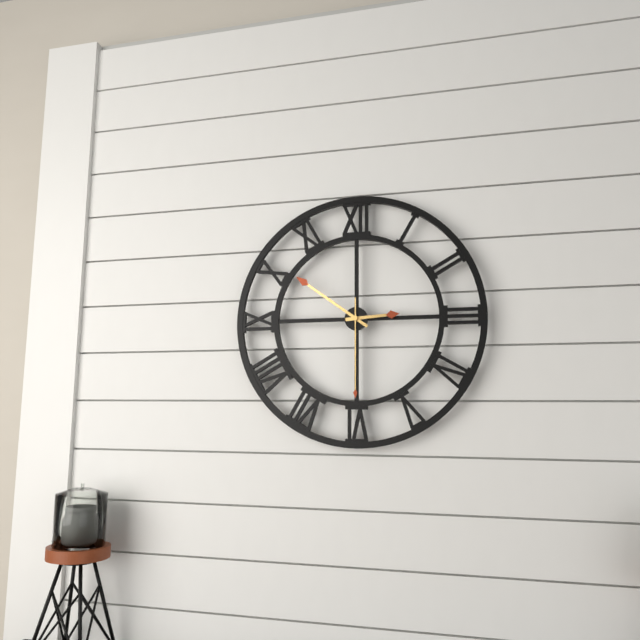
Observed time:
h=2 m=51 s=30
